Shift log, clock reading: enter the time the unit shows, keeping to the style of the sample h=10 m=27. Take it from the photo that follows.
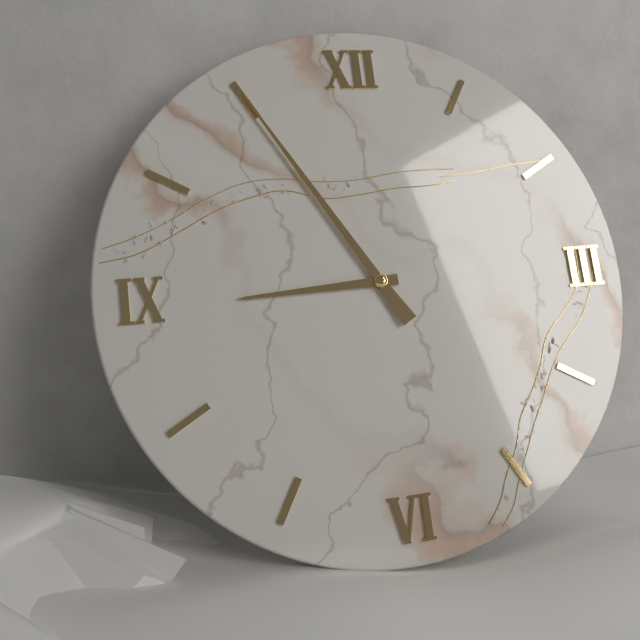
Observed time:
h=8 m=55
